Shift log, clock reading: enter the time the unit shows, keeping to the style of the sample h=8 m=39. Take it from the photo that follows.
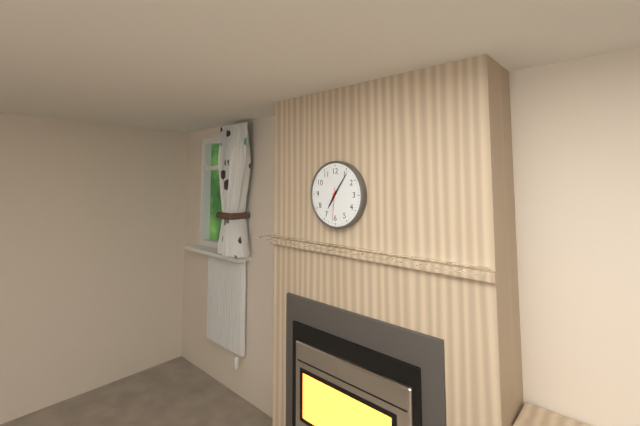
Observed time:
h=7 m=6
